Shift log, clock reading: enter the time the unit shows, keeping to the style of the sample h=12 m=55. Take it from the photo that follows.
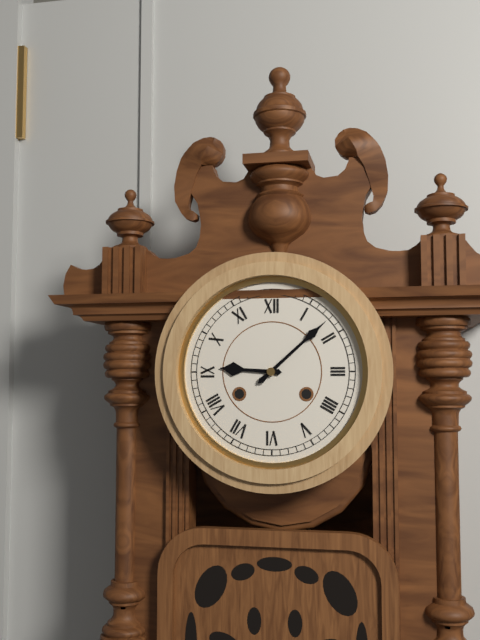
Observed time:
h=9 m=8
